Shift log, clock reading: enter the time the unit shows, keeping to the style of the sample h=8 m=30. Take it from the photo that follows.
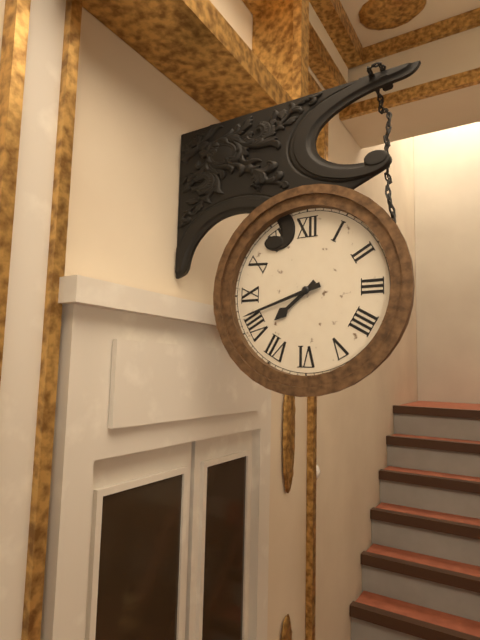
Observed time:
h=7 m=42
